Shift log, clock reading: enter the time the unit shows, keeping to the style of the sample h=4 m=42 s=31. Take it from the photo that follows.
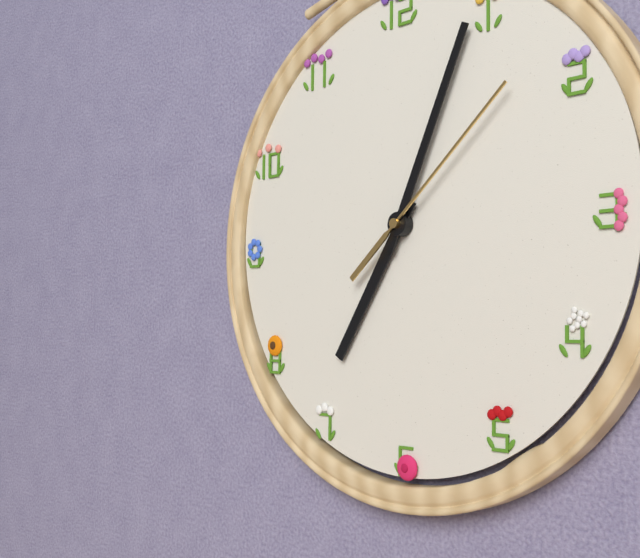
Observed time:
h=7 m=4 s=8
